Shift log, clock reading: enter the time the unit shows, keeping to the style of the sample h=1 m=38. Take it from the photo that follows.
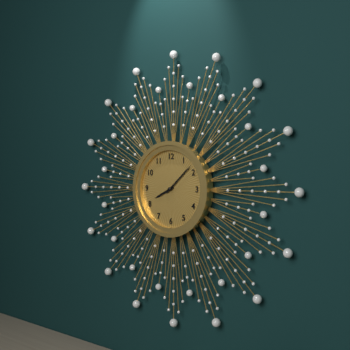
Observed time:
h=8 m=8
